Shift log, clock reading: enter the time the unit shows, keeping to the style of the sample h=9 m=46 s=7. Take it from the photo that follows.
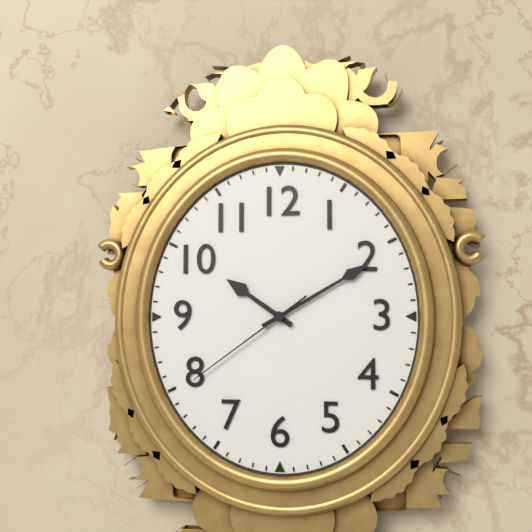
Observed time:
h=10 m=10 s=39
